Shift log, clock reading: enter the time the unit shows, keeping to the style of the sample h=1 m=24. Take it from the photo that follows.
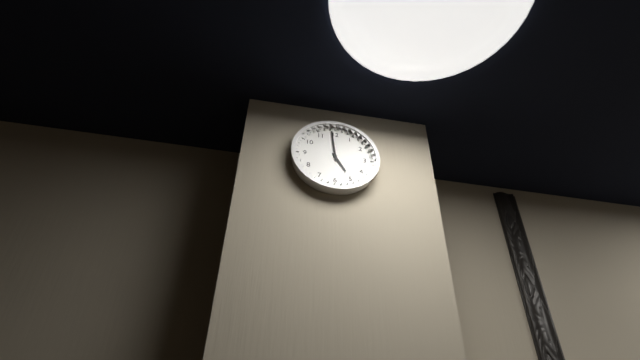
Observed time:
h=4 m=59
